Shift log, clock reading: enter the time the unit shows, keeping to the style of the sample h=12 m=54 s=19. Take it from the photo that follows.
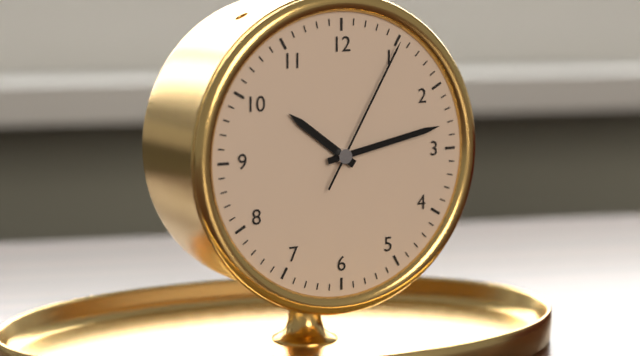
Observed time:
h=10 m=13 s=5
